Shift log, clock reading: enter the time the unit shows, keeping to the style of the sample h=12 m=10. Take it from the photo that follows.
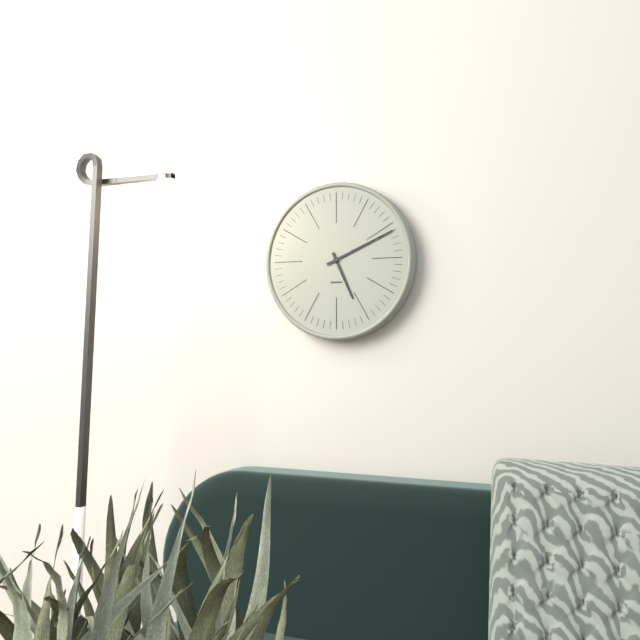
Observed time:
h=5 m=11
